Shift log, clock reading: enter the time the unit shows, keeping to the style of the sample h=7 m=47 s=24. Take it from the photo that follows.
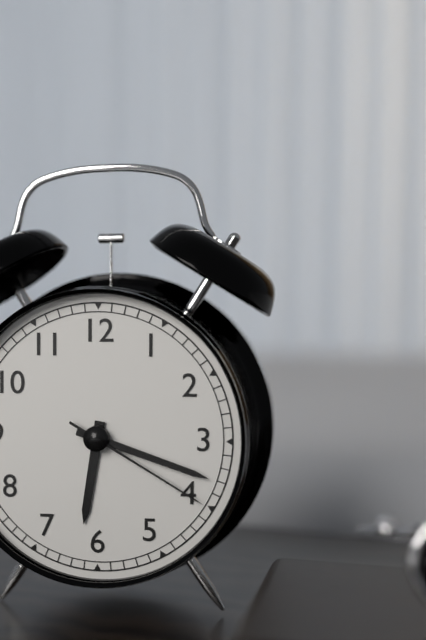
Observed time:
h=6 m=18 s=20
